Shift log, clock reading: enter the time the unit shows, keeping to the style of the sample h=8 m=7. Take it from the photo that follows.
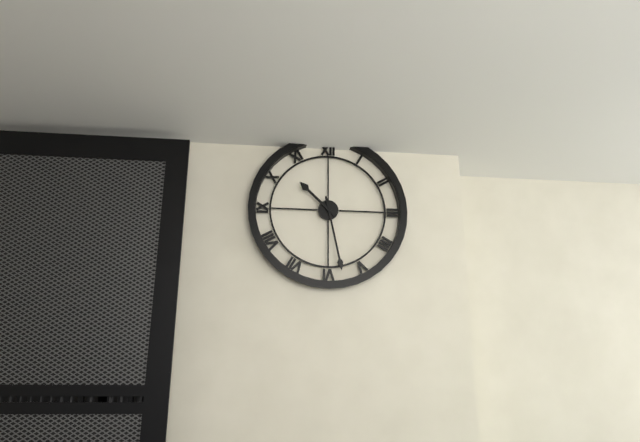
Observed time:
h=10 m=28
